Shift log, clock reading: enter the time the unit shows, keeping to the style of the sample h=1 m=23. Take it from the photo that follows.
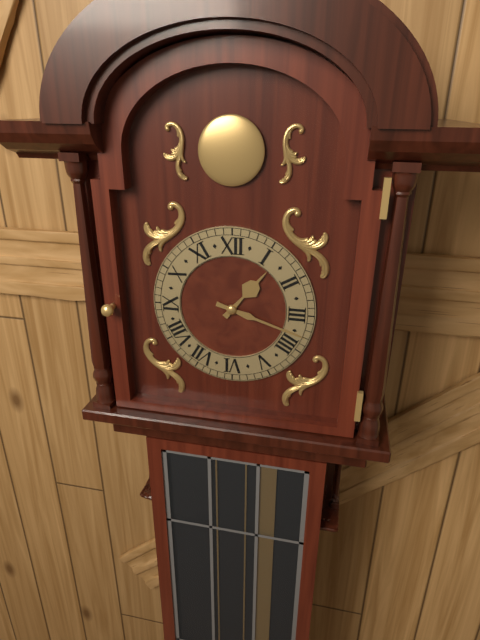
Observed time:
h=1 m=18
